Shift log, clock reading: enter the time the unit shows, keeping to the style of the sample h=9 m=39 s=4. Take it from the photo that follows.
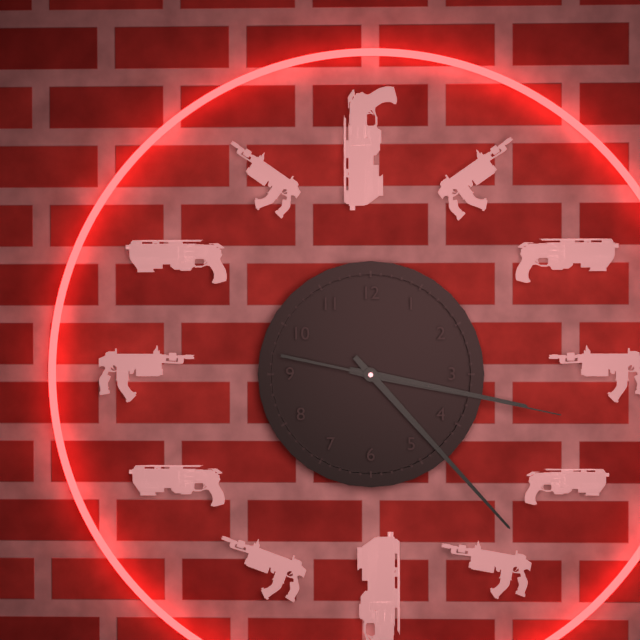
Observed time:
h=3 m=23 s=17
